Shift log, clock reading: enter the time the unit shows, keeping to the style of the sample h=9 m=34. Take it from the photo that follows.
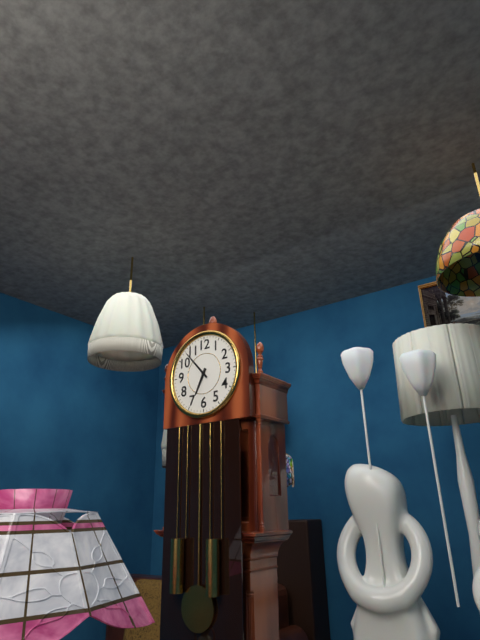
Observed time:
h=6 m=53
